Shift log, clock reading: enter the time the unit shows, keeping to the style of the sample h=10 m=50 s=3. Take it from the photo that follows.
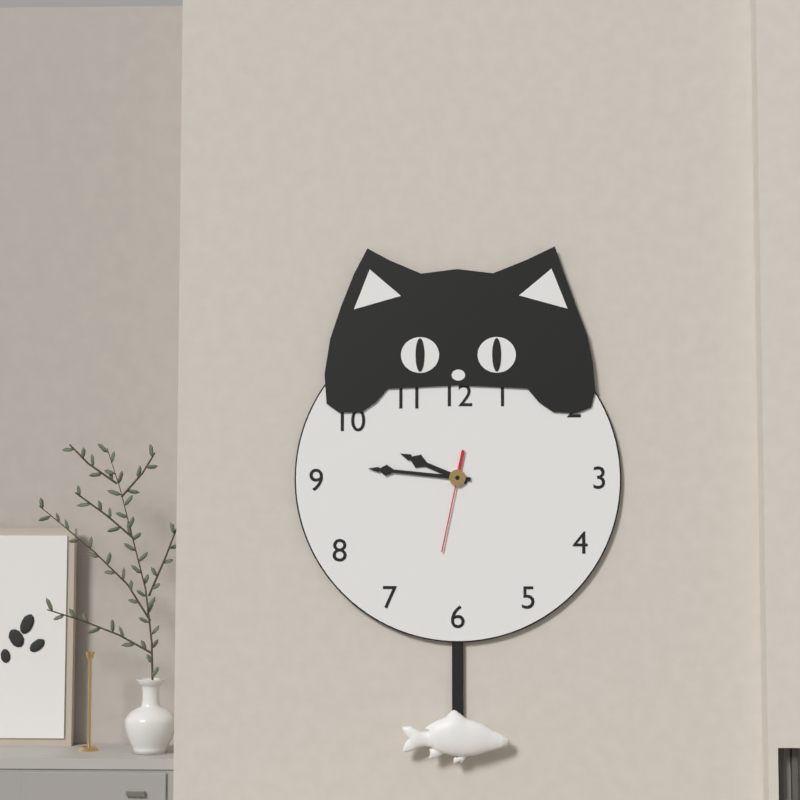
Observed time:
h=9 m=46 s=32
